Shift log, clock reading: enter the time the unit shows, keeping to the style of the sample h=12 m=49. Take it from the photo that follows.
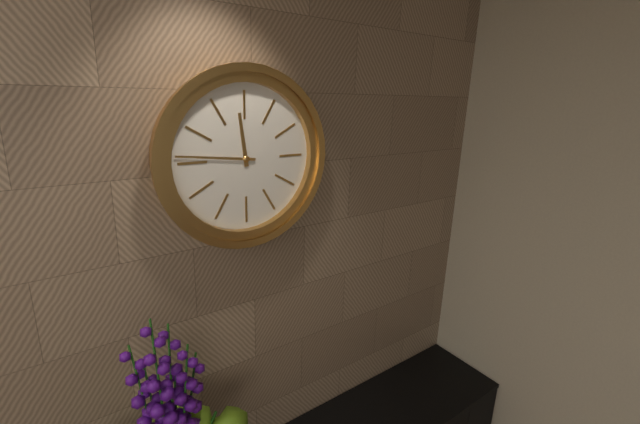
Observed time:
h=11 m=46
